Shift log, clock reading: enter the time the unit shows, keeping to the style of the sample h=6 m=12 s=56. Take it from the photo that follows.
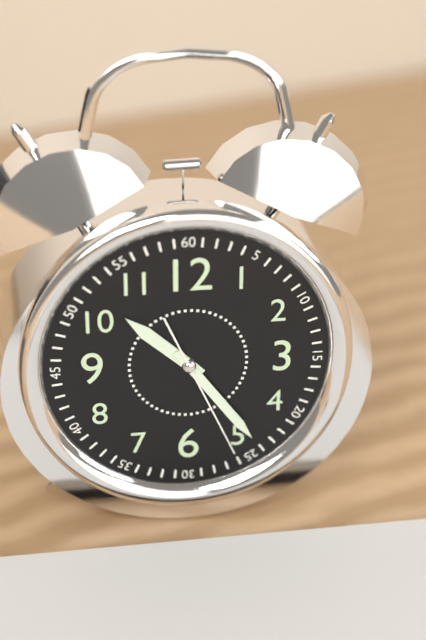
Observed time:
h=10 m=24 s=26
